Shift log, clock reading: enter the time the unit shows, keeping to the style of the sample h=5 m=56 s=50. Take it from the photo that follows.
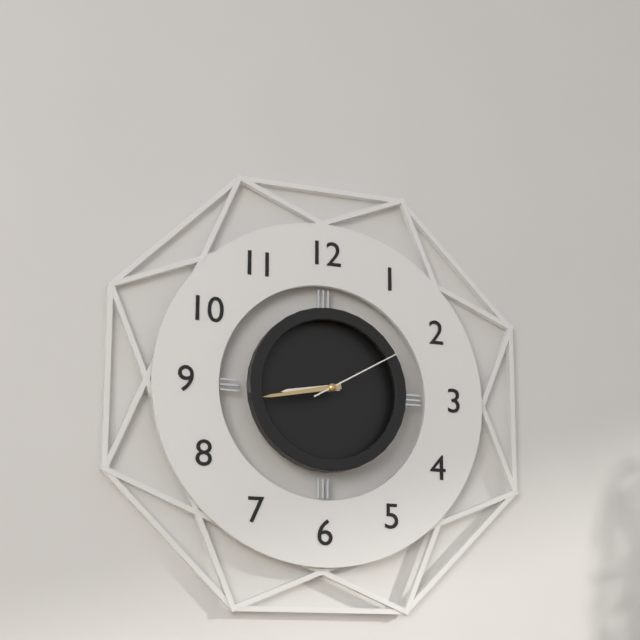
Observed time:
h=8 m=43 s=10
